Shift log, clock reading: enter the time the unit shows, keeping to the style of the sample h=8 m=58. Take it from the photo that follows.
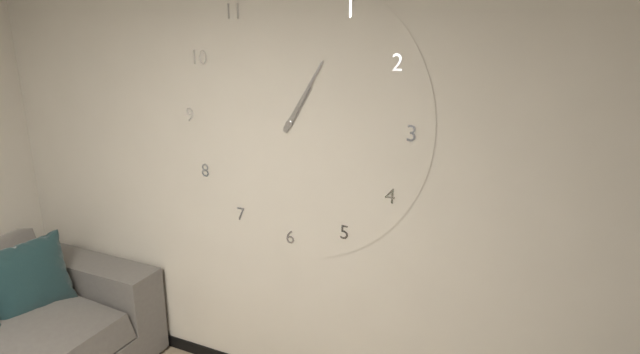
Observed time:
h=1 m=5
